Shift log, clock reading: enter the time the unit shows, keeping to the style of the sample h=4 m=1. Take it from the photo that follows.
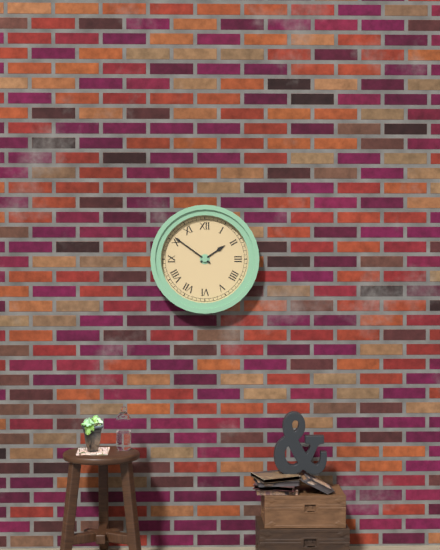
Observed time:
h=1 m=51
